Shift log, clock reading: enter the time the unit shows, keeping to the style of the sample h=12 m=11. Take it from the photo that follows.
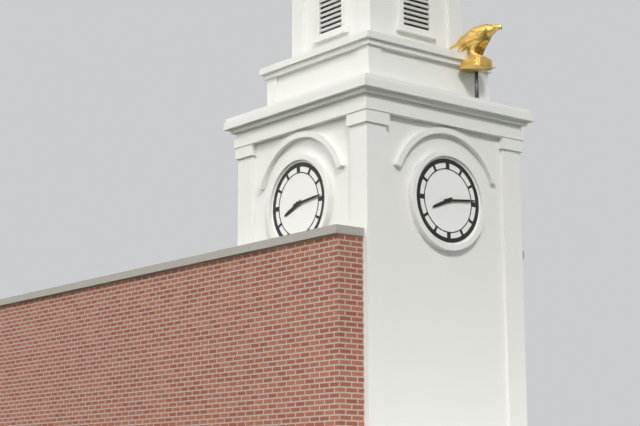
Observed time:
h=8 m=14
